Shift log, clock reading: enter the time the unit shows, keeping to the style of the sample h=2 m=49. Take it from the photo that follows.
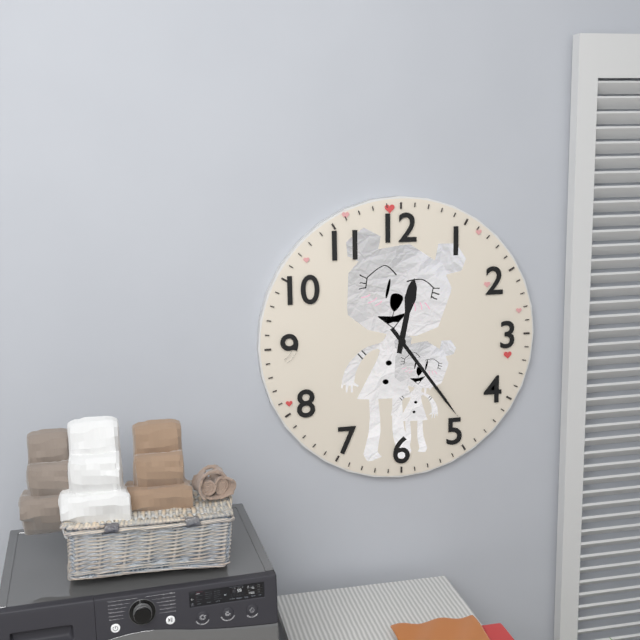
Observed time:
h=12 m=24
